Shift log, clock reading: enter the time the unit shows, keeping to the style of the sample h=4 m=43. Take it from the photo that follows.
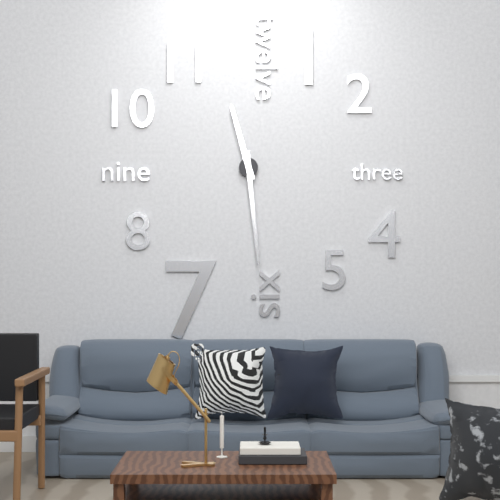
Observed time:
h=11 m=29
